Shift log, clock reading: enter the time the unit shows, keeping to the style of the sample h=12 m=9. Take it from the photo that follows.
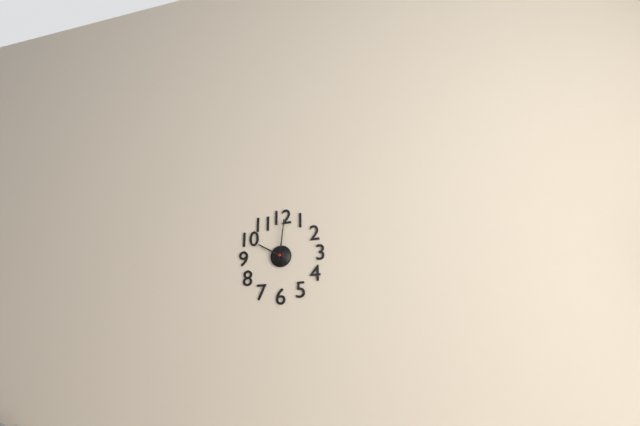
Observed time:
h=10 m=1
